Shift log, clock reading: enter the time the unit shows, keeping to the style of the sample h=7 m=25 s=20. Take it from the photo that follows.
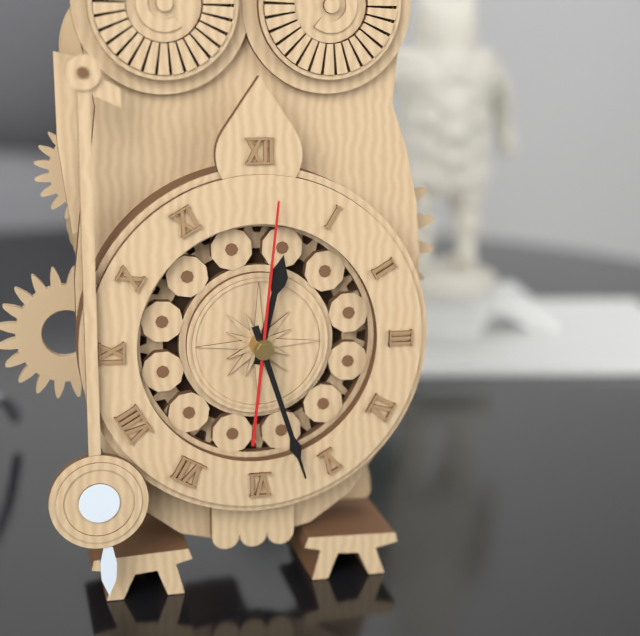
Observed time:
h=12 m=27 s=1
